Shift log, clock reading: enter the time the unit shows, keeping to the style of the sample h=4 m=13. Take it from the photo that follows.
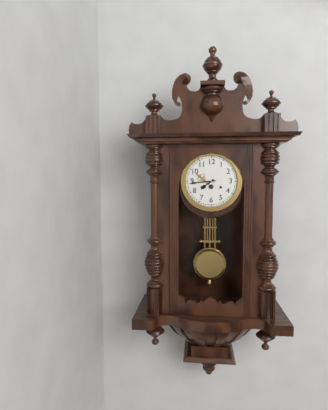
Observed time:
h=7 m=44
